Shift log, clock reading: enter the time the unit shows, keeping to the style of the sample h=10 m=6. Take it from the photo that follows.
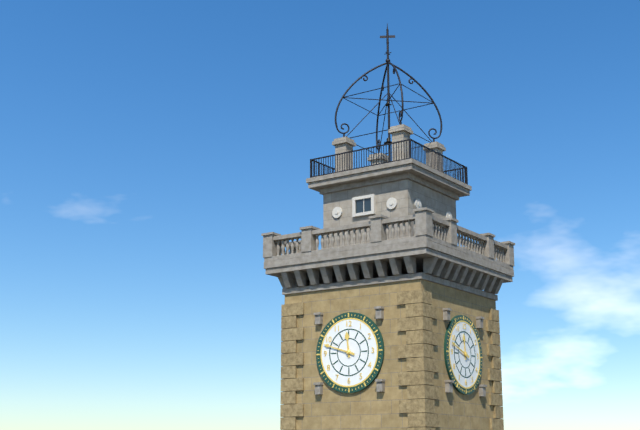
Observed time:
h=11 m=48
